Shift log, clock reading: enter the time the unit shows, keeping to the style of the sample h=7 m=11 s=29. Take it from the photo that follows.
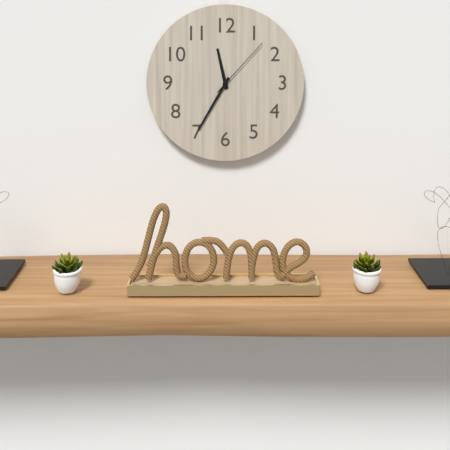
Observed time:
h=11 m=35 s=7
